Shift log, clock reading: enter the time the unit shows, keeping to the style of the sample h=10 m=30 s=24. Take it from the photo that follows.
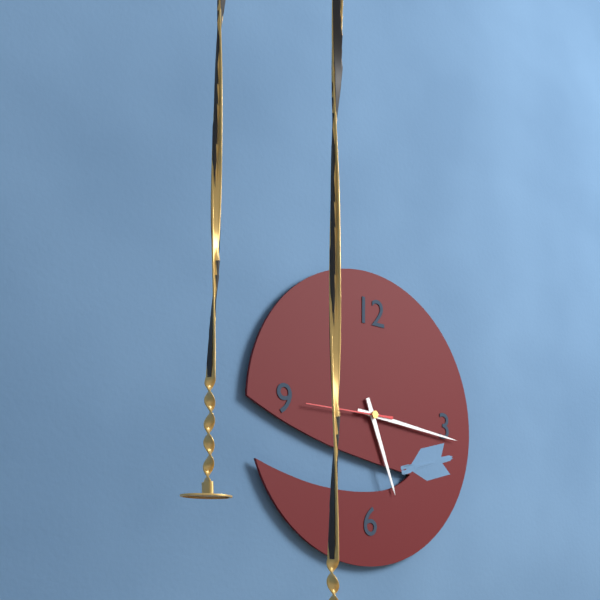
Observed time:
h=5 m=16 s=45
